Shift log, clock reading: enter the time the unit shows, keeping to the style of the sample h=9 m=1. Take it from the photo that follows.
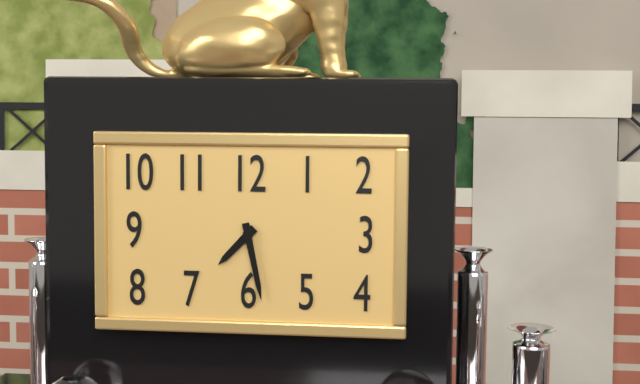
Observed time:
h=7 m=28
